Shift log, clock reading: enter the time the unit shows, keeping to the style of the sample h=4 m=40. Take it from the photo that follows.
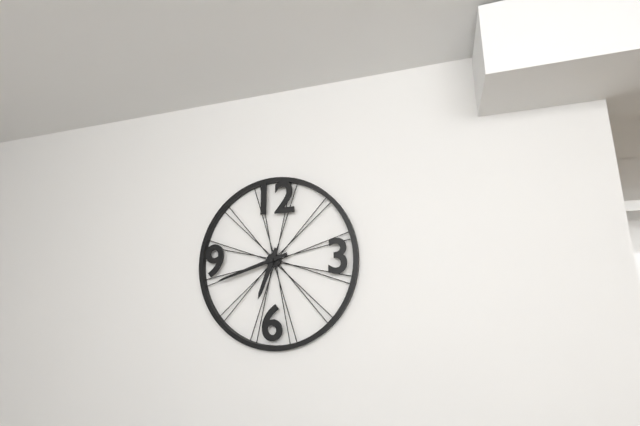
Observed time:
h=6 m=42
